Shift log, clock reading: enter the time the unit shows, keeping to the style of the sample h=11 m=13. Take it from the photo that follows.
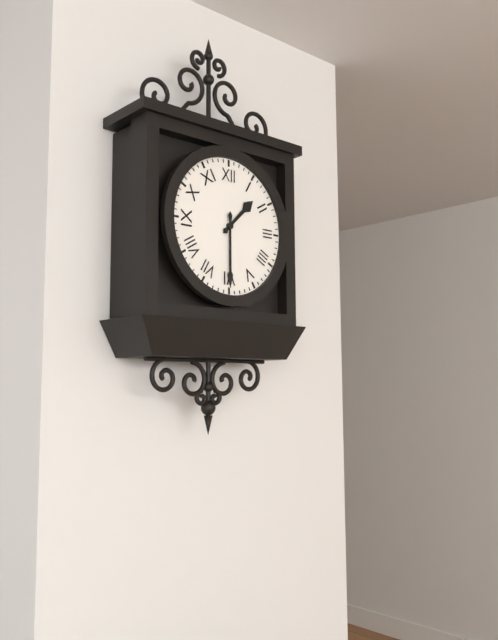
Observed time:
h=1 m=30
